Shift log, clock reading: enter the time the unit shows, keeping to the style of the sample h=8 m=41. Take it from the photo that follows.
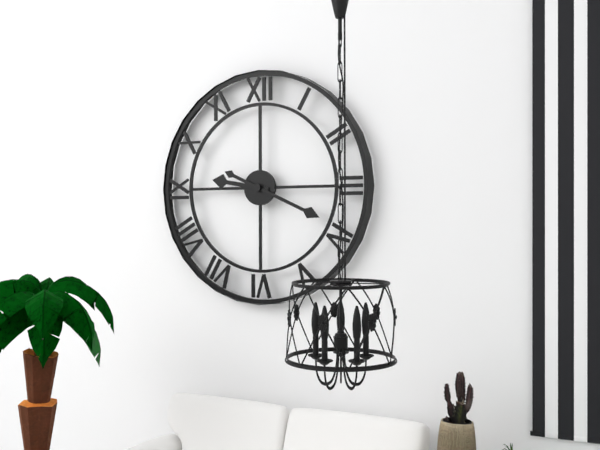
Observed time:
h=9 m=19
